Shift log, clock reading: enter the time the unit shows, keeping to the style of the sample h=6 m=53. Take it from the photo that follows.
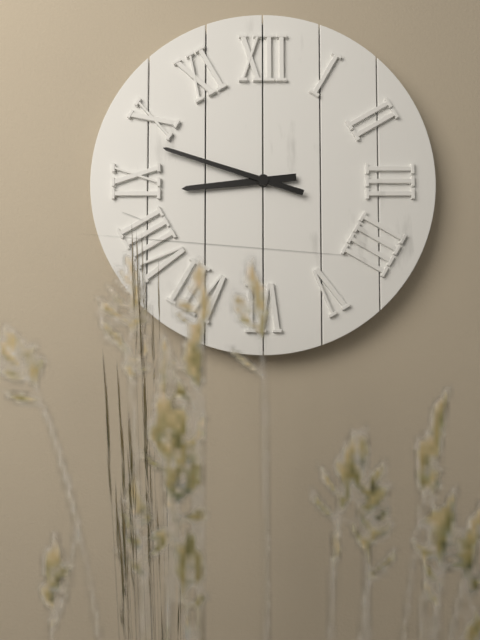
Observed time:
h=8 m=48
